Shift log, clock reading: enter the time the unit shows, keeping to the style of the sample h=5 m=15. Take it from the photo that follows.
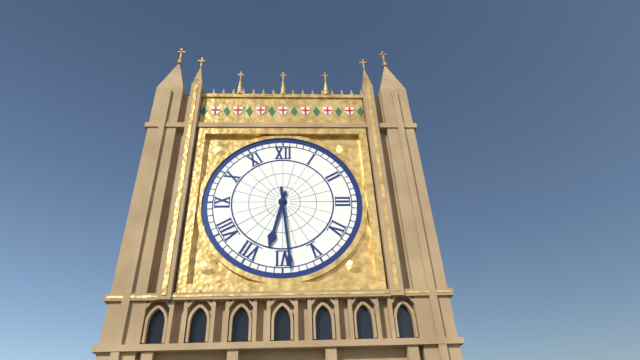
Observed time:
h=6 m=29
